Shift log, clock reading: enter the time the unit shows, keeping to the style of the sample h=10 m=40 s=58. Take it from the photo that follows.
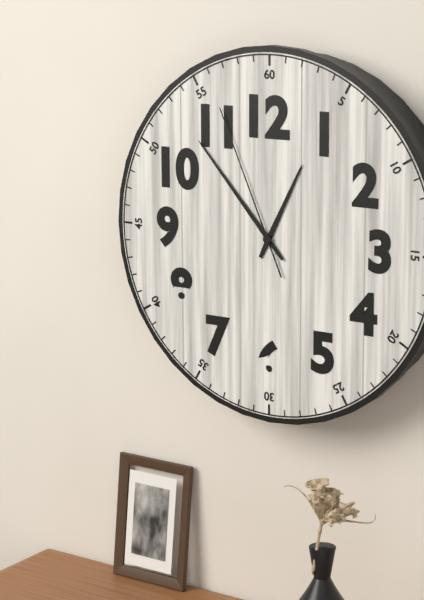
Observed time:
h=12 m=53 s=56
